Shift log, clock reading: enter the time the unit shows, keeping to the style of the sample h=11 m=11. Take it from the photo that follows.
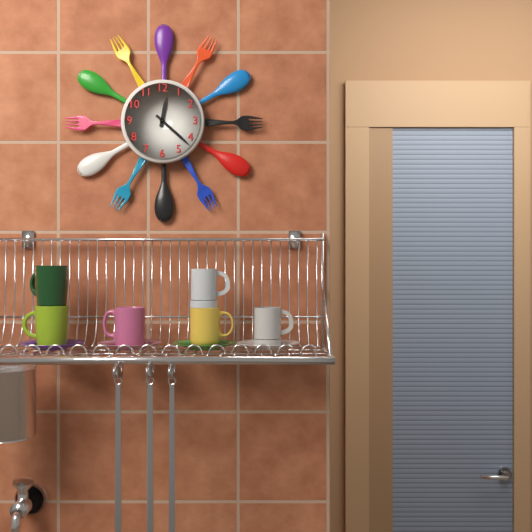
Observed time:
h=12 m=22
